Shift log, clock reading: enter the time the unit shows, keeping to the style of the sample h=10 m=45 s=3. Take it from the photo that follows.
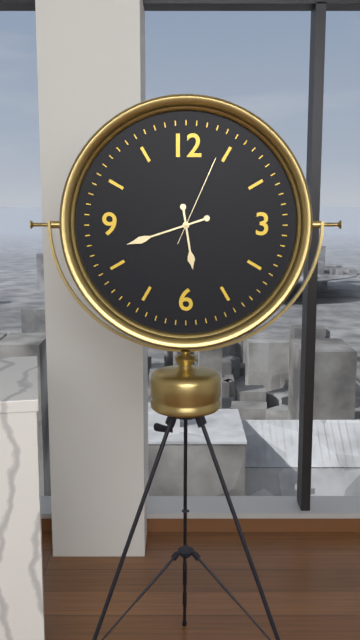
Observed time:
h=5 m=42 s=4
